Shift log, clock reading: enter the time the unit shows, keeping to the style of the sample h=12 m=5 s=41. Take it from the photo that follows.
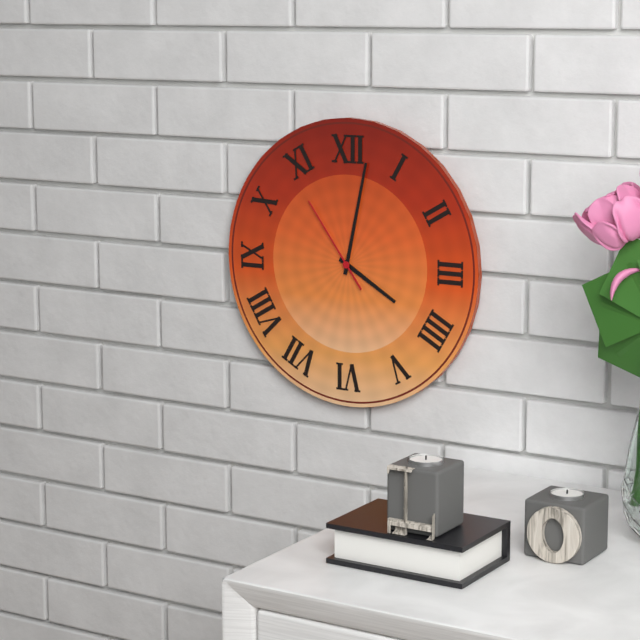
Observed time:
h=4 m=2 s=54
